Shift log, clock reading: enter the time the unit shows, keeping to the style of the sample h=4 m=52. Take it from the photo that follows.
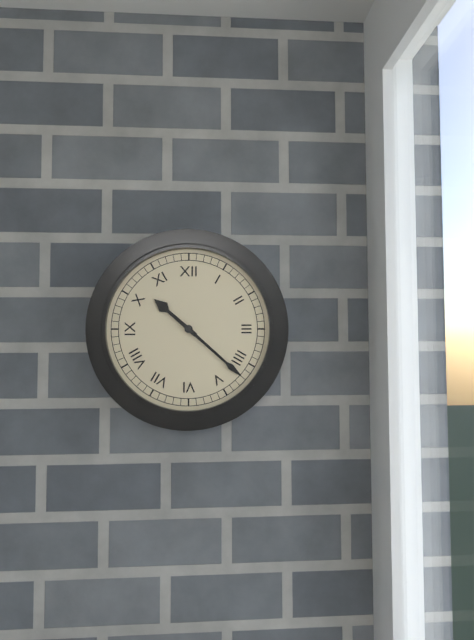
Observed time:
h=10 m=22
